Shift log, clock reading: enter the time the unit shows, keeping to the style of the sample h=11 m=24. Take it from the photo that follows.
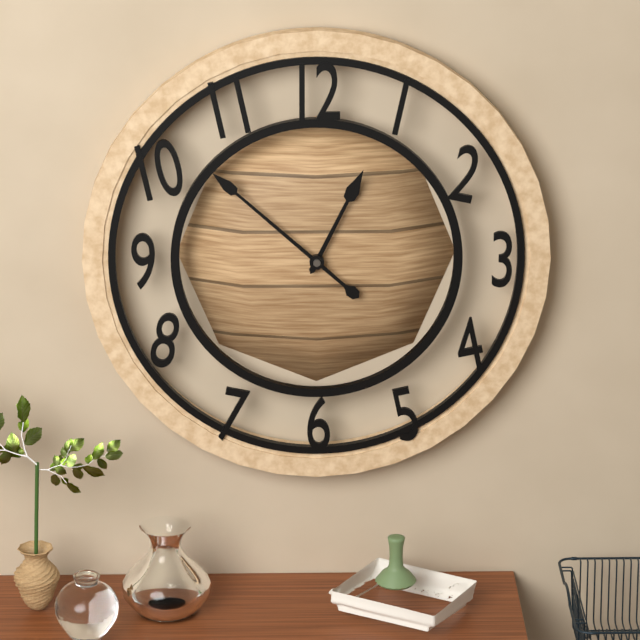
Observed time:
h=12 m=52
